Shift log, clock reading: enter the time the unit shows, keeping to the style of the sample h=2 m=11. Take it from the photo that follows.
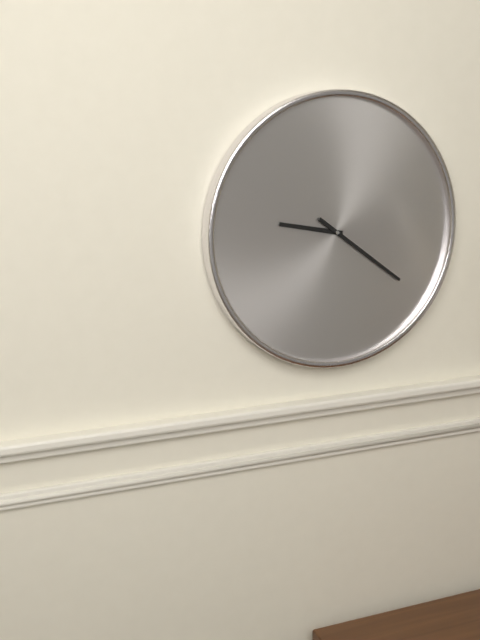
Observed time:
h=9 m=21
